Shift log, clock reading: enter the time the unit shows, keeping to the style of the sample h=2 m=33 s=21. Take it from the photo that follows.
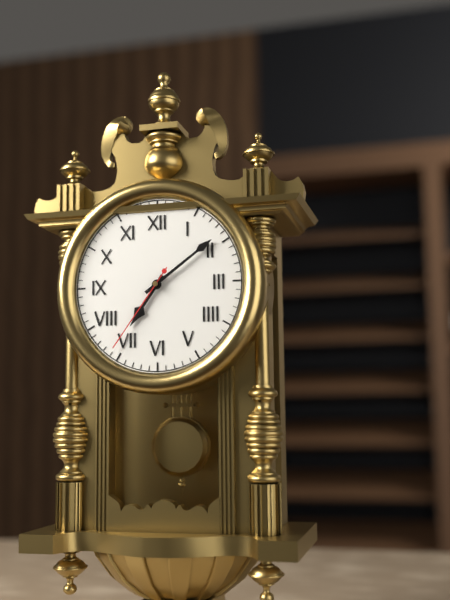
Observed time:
h=7 m=9 s=36
